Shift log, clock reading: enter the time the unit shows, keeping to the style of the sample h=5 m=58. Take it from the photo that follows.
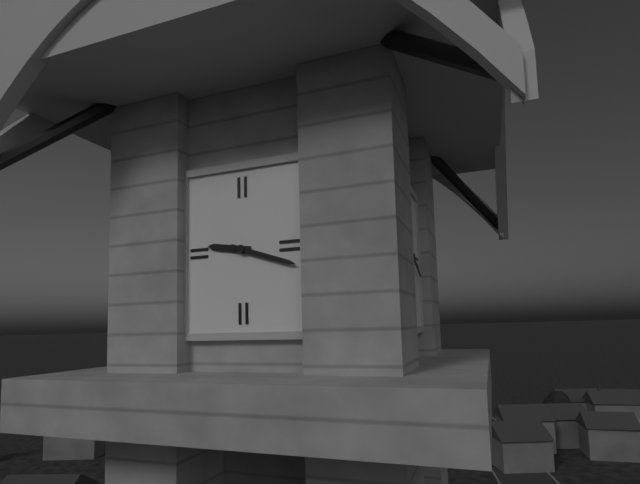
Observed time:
h=9 m=18
